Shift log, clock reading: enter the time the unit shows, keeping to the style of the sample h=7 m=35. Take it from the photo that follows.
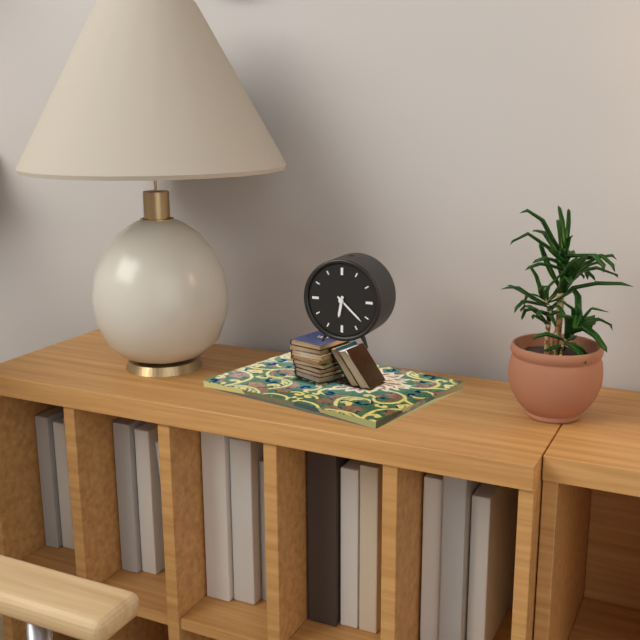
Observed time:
h=6 m=22
